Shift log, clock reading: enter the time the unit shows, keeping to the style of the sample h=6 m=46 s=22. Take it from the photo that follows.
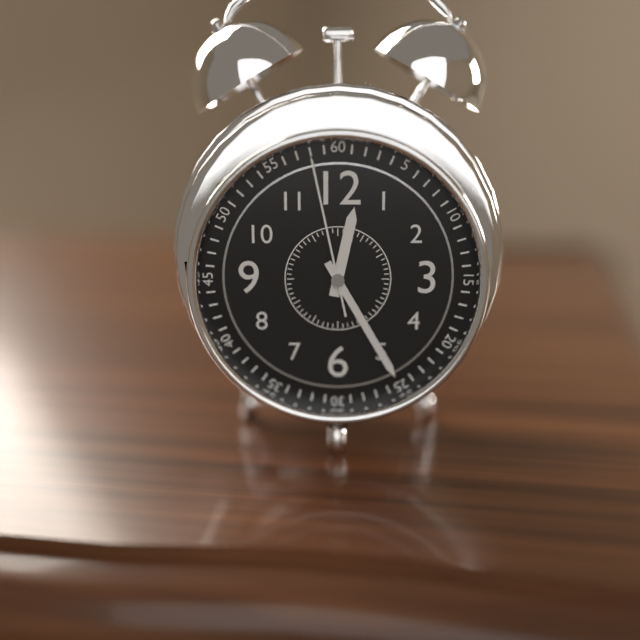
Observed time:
h=12 m=25 s=58
